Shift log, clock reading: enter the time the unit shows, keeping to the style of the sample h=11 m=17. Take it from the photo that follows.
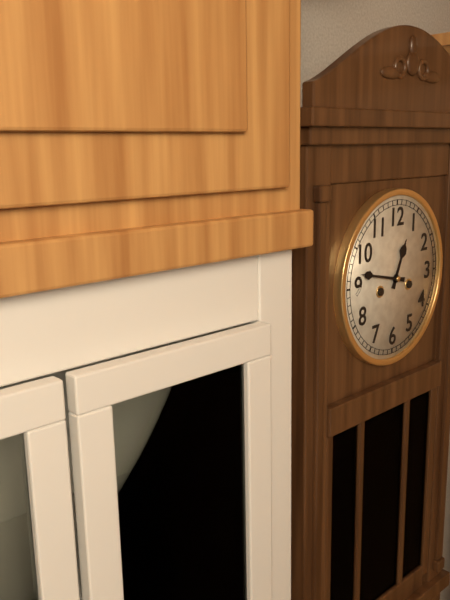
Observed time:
h=12 m=47
